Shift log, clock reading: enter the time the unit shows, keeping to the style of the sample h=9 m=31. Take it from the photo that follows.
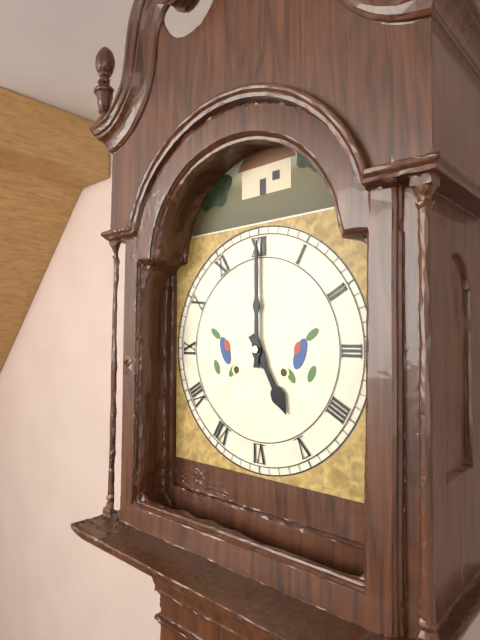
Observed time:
h=5 m=0
